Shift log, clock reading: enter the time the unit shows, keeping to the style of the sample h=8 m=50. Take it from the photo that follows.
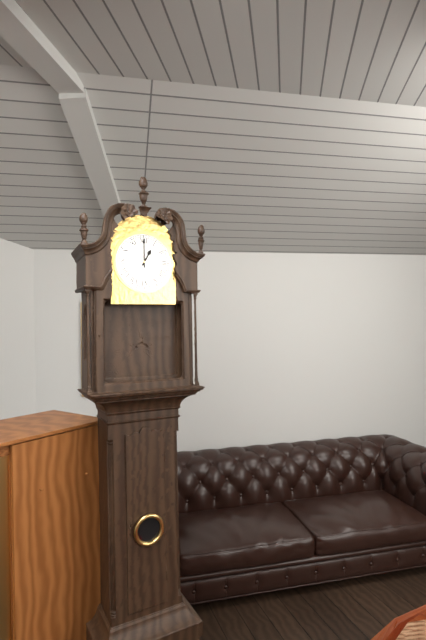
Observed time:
h=1 m=0
